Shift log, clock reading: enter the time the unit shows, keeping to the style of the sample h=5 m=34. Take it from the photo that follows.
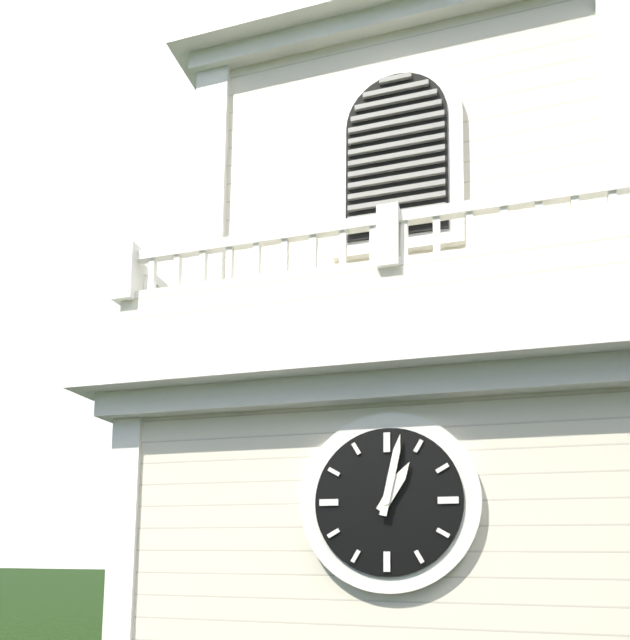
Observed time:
h=1 m=2
